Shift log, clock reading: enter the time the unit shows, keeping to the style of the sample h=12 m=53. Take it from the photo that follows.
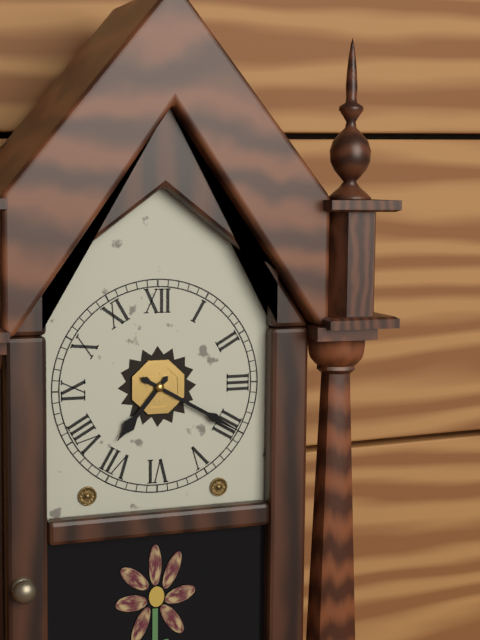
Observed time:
h=7 m=20
